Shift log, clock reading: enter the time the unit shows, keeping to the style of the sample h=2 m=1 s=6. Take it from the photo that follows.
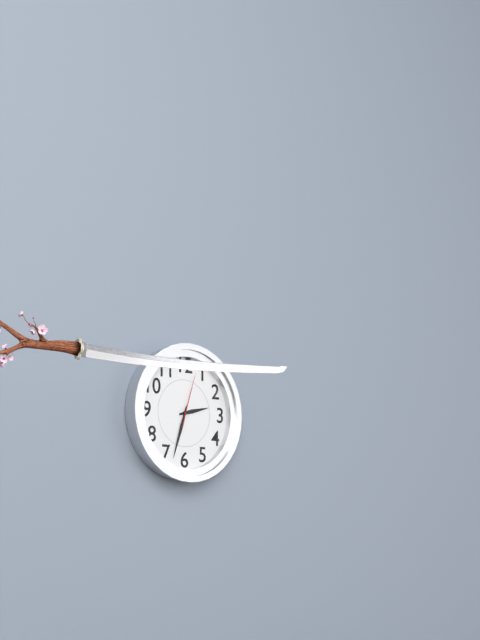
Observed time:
h=2 m=33 s=3
